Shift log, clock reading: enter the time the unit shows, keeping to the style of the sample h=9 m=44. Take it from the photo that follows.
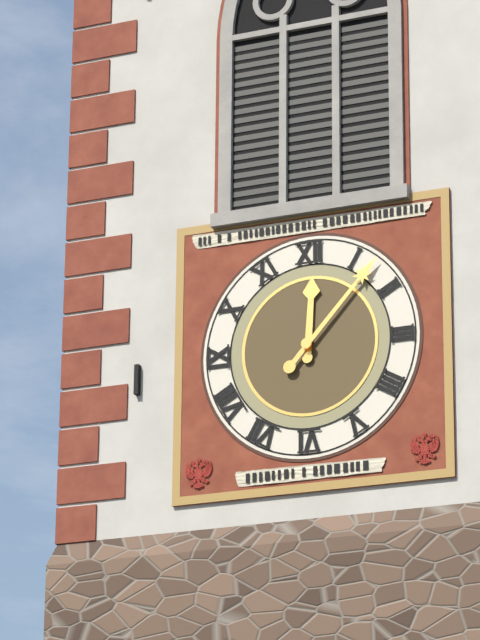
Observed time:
h=12 m=7
